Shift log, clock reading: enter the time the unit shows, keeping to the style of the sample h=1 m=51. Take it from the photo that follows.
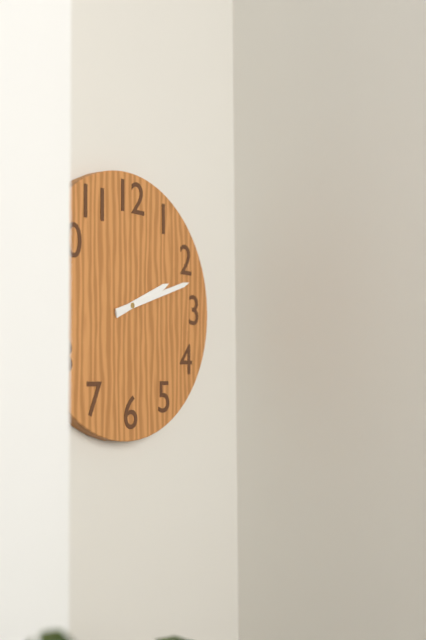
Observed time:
h=2 m=12
